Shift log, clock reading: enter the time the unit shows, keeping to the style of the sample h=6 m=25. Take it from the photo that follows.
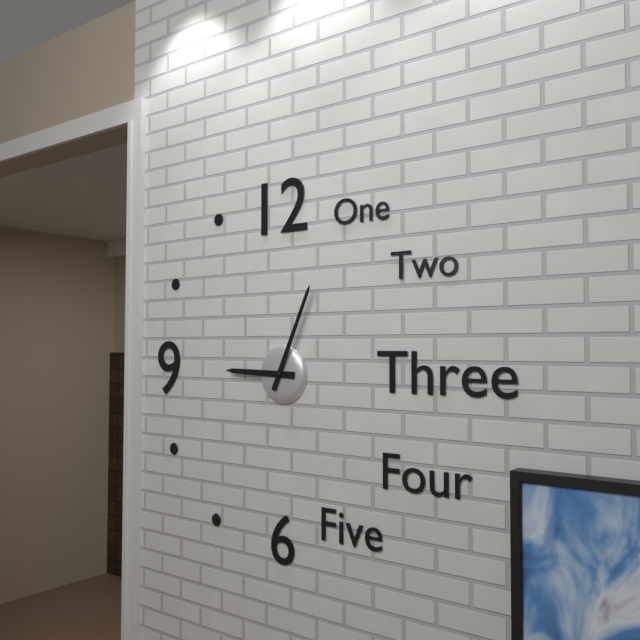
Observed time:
h=9 m=4
